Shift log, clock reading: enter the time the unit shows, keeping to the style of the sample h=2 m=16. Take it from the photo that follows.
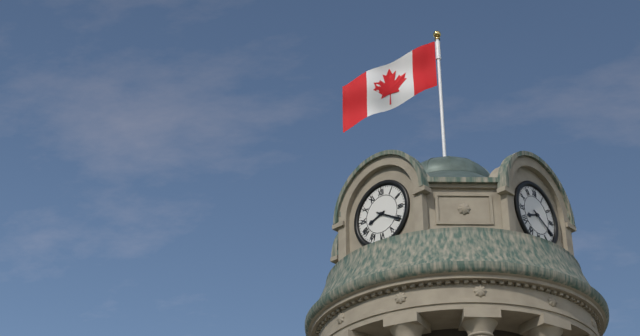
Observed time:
h=8 m=20
